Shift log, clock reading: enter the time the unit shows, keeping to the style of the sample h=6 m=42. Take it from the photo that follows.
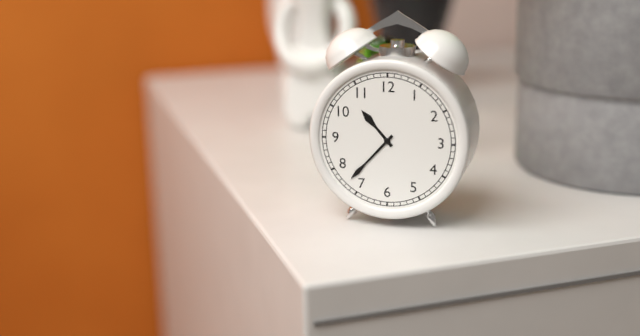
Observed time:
h=10 m=37
